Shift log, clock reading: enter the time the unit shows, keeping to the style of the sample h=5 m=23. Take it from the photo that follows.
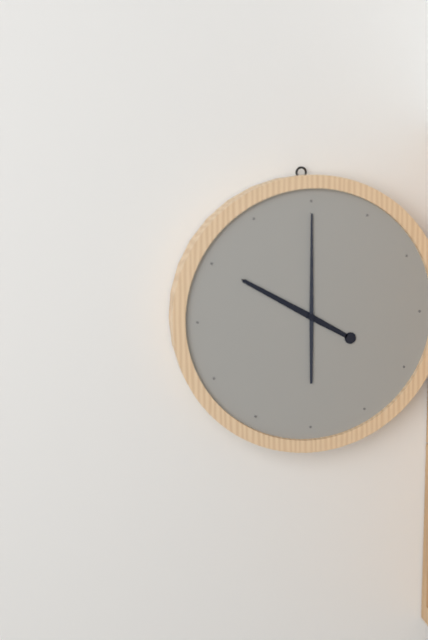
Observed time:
h=10 m=0
